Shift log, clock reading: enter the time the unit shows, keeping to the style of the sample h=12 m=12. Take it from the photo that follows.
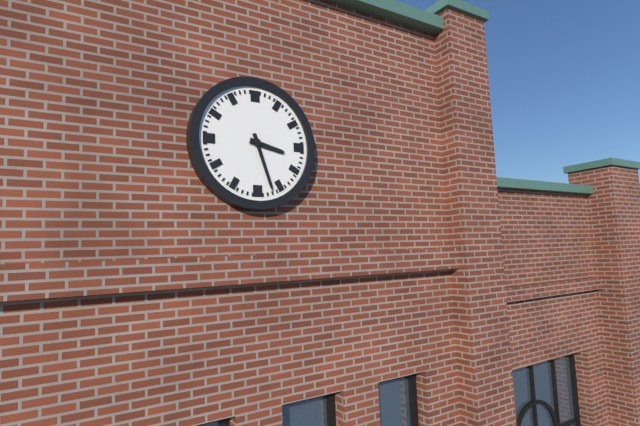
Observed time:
h=3 m=27
